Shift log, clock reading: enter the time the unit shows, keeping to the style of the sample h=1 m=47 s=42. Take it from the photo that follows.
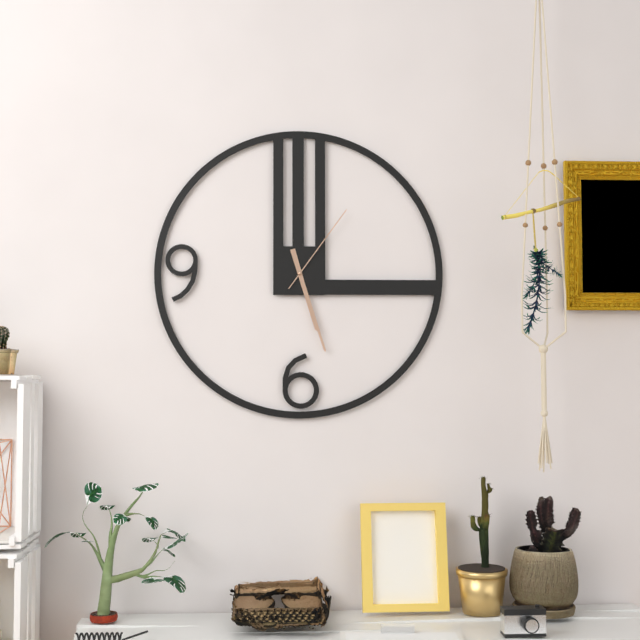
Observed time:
h=5 m=27 s=6
